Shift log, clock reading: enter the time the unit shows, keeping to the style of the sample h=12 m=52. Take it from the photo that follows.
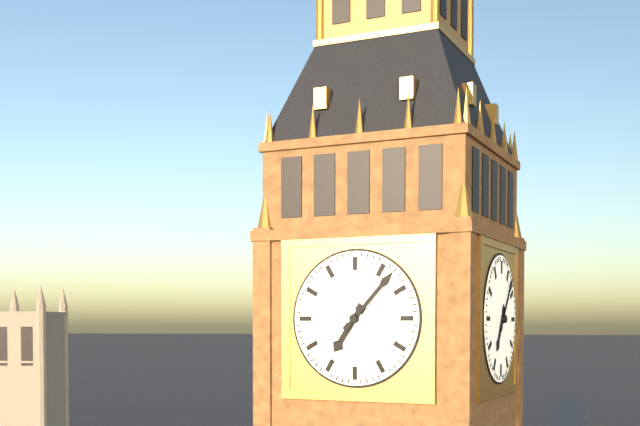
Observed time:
h=7 m=7
